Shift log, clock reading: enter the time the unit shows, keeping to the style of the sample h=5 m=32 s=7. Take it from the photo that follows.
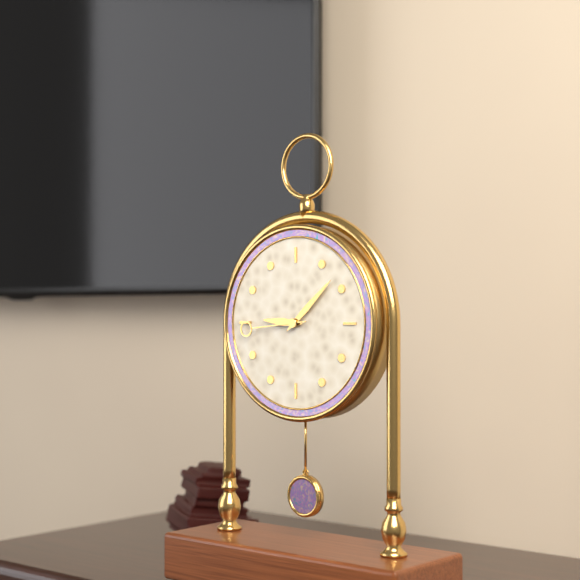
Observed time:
h=9 m=8 s=44
